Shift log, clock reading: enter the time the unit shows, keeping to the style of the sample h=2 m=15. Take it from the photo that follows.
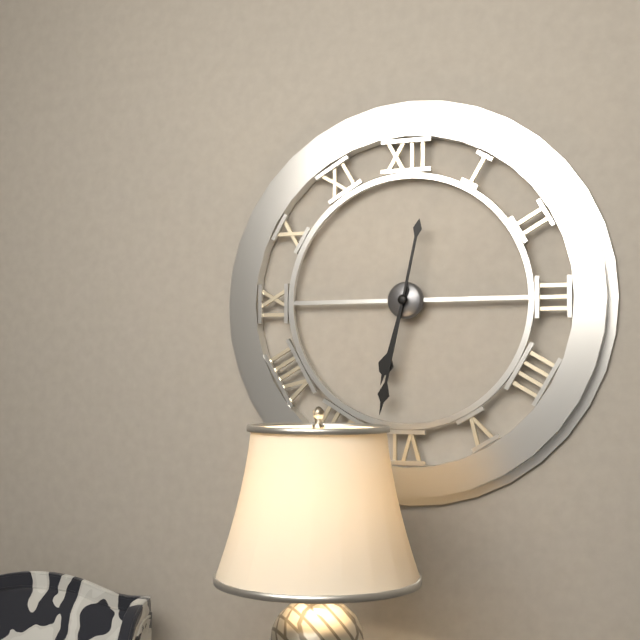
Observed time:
h=6 m=32
